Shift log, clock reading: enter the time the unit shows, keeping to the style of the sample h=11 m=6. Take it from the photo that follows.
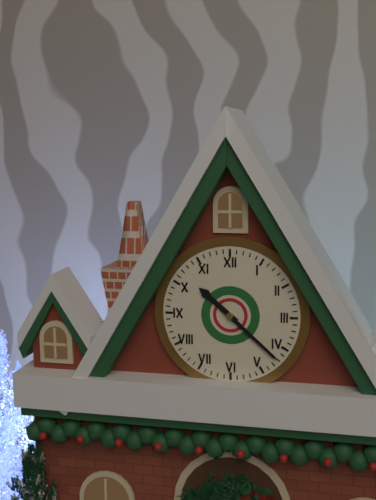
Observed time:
h=10 m=22
